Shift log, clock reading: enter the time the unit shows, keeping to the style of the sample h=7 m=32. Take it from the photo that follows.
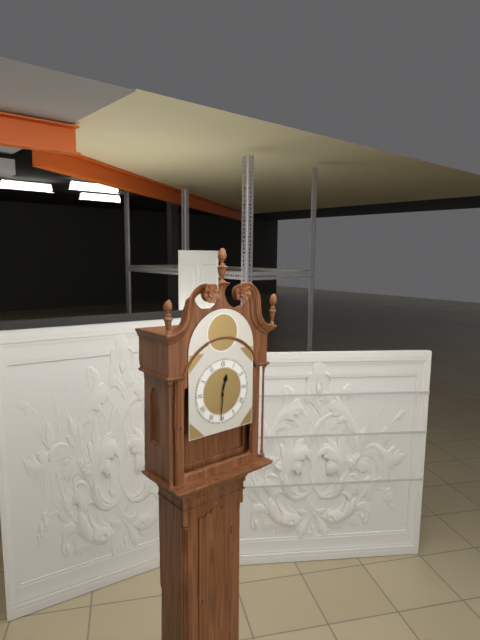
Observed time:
h=12 m=31
